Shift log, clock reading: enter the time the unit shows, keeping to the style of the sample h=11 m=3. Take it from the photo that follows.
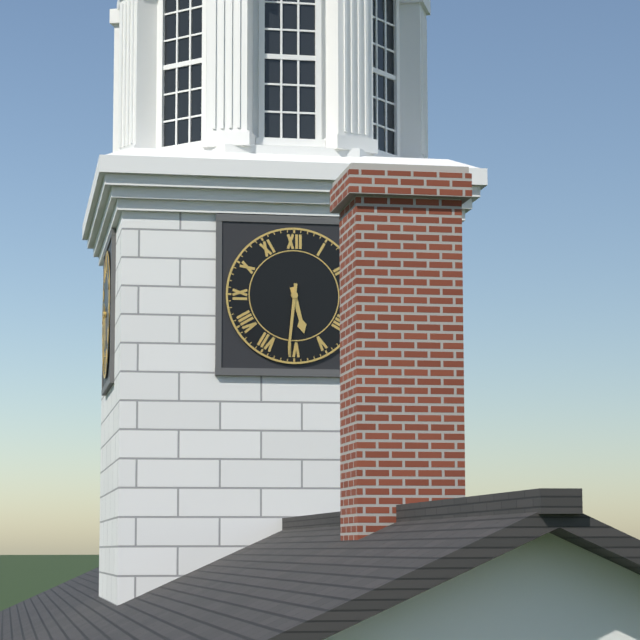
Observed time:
h=5 m=31
